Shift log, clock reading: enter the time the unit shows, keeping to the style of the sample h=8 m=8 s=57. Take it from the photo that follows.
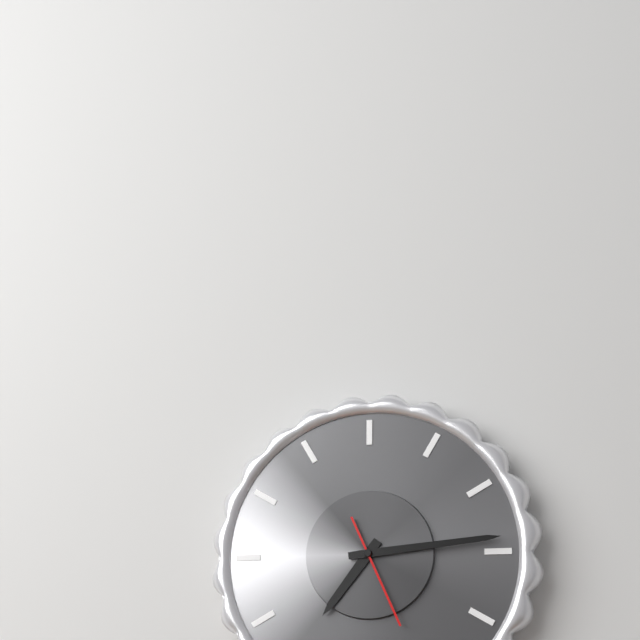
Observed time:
h=7 m=14 s=26
